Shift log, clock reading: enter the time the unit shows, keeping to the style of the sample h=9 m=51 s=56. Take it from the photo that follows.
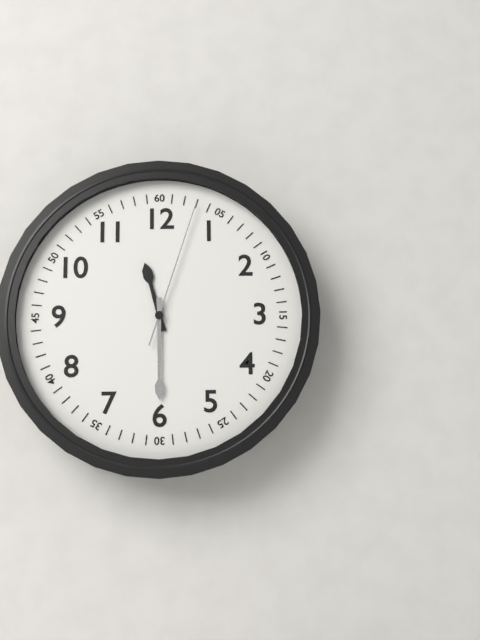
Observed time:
h=11 m=30 s=3
